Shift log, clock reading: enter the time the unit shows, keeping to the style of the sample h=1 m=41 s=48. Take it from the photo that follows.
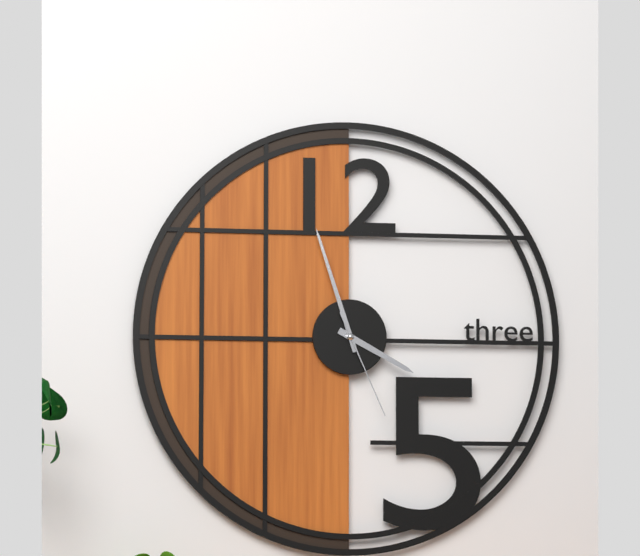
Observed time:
h=3 m=57 s=26
